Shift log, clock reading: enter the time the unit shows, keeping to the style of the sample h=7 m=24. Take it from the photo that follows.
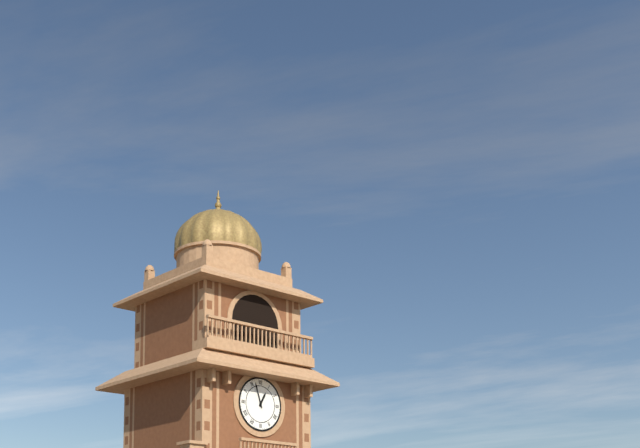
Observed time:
h=12 m=57
